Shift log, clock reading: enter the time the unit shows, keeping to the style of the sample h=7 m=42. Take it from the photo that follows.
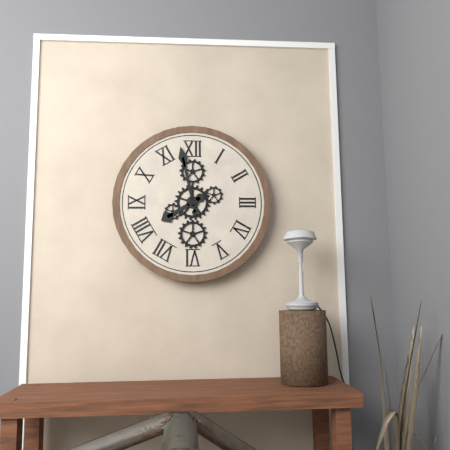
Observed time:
h=7 m=58
